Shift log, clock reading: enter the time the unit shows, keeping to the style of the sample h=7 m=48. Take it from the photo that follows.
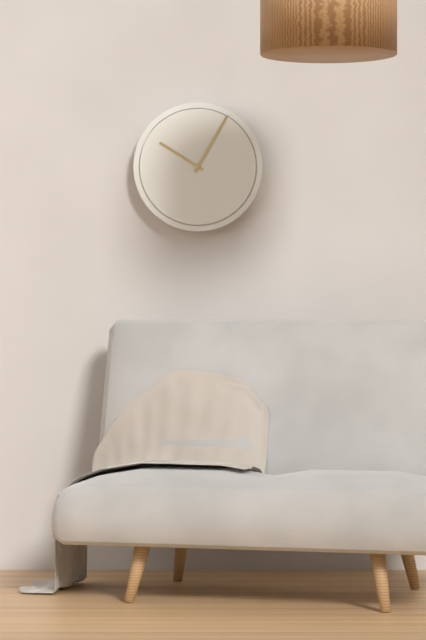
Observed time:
h=10 m=5
